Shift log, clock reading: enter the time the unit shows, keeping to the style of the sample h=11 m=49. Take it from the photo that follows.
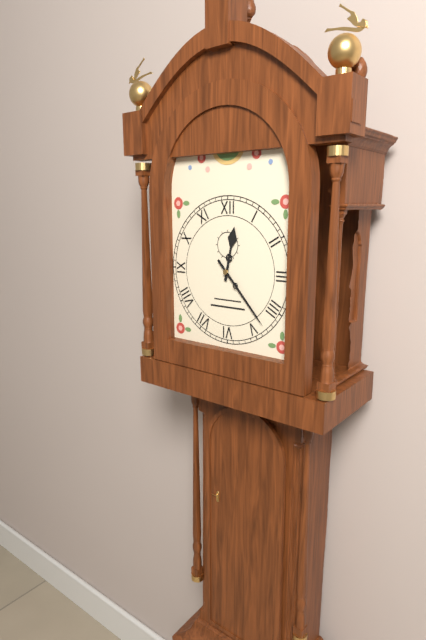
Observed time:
h=12 m=23
